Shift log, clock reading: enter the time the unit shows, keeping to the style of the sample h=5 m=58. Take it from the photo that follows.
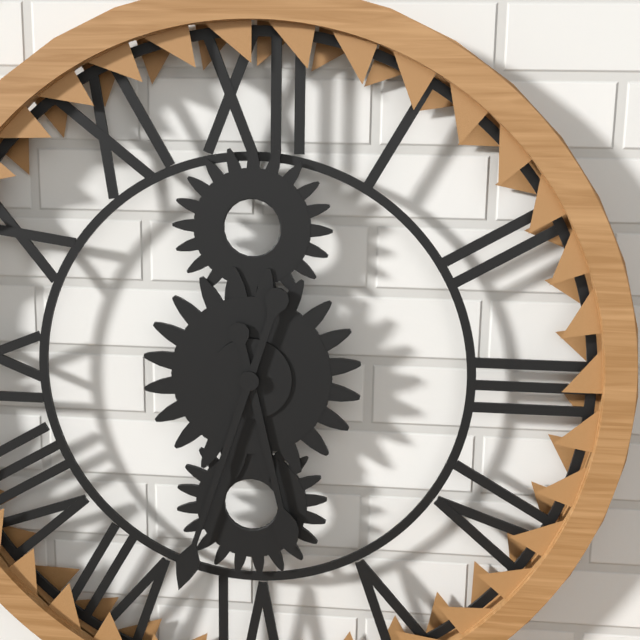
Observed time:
h=5 m=33
